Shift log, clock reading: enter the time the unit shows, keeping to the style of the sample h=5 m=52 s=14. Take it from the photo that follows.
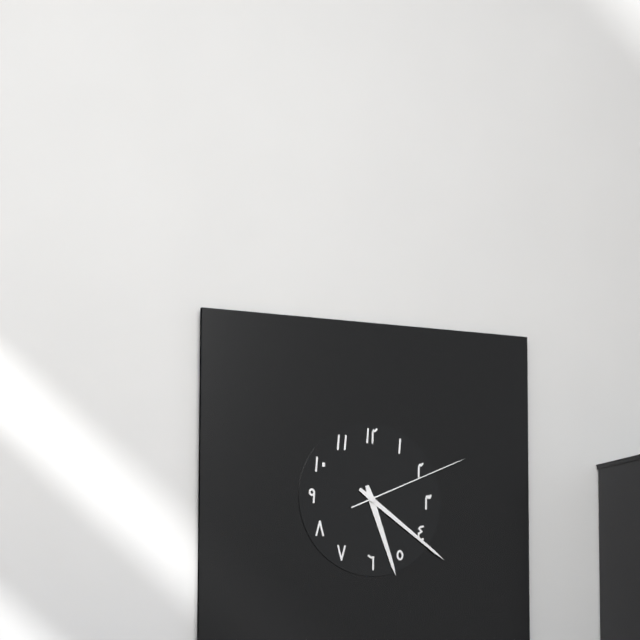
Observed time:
h=5 m=21 s=11
